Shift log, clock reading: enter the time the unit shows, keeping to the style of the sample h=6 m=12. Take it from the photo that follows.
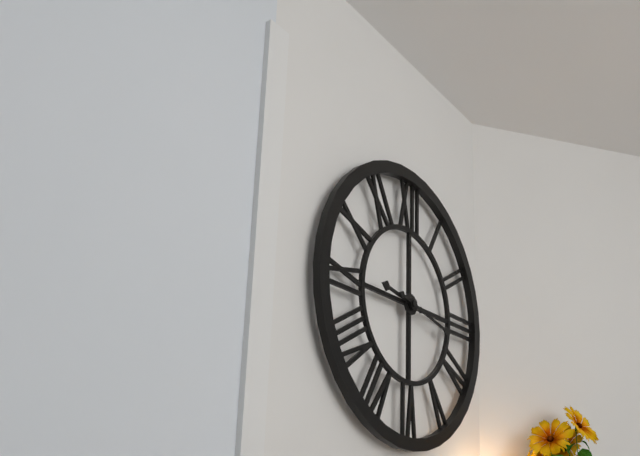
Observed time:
h=9 m=17
